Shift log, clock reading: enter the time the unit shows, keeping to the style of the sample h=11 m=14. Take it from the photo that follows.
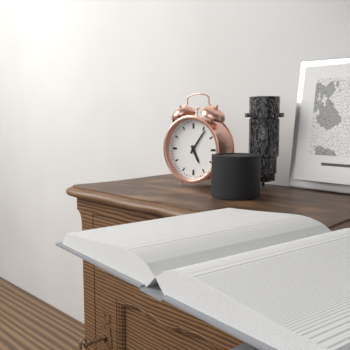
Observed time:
h=5 m=6
